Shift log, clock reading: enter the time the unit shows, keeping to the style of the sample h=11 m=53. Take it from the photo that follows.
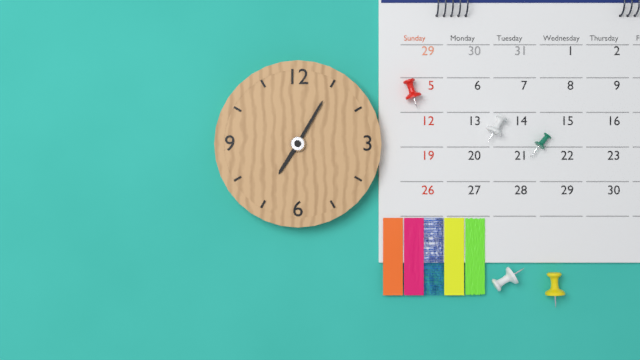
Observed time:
h=7 m=5
